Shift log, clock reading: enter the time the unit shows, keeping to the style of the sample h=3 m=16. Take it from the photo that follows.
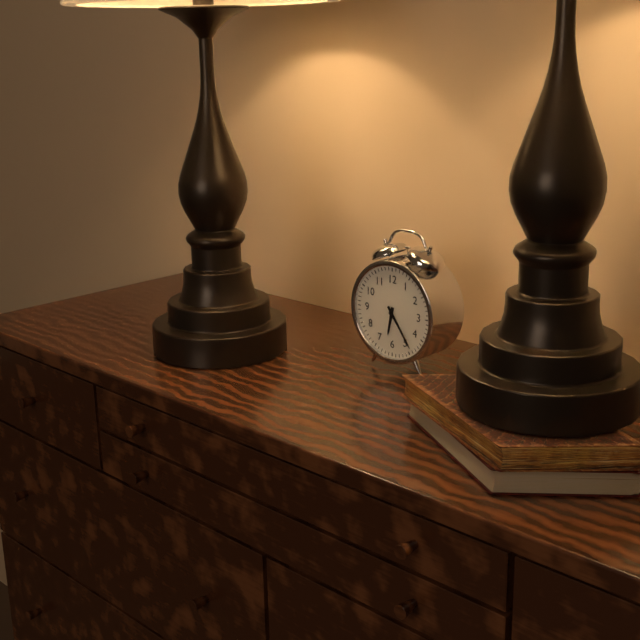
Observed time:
h=6 m=24
